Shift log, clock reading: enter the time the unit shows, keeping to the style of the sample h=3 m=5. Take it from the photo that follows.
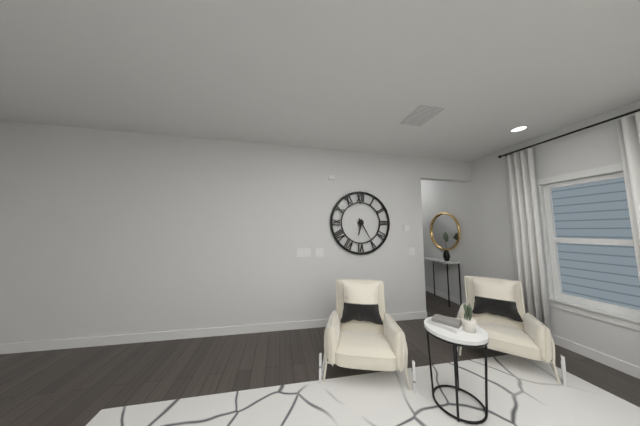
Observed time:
h=6 m=25
